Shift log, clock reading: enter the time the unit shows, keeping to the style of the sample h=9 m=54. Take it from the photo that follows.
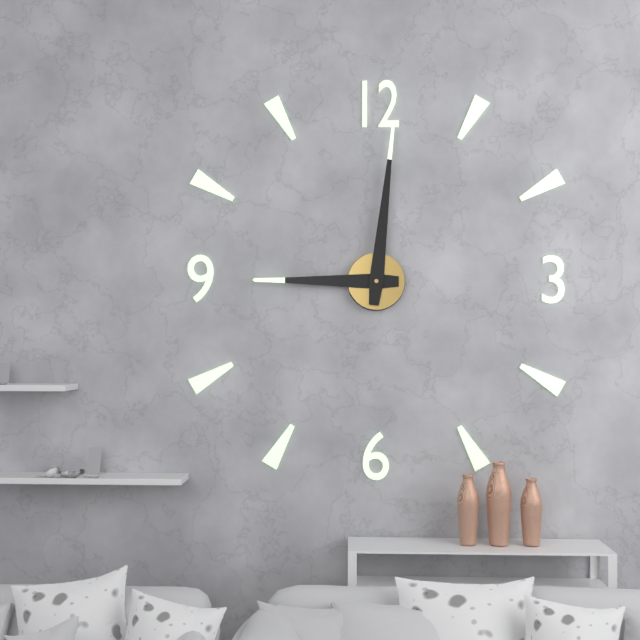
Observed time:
h=9 m=1
